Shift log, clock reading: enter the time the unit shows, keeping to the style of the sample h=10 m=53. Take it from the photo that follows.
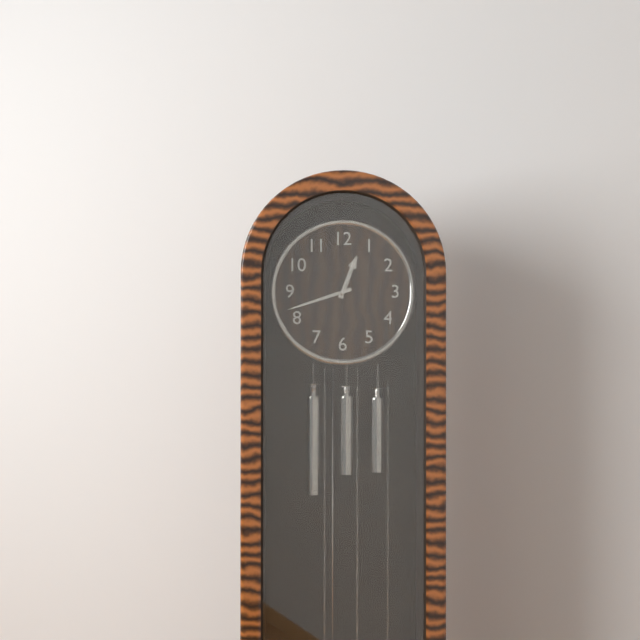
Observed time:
h=12 m=42
